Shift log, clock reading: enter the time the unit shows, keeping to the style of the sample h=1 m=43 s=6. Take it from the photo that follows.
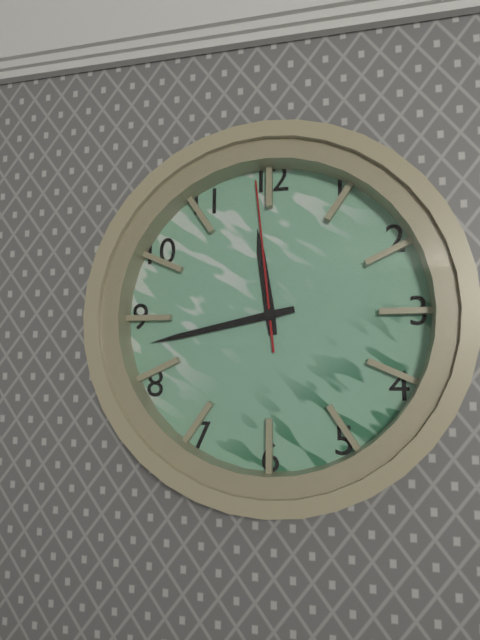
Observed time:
h=11 m=43 s=59
